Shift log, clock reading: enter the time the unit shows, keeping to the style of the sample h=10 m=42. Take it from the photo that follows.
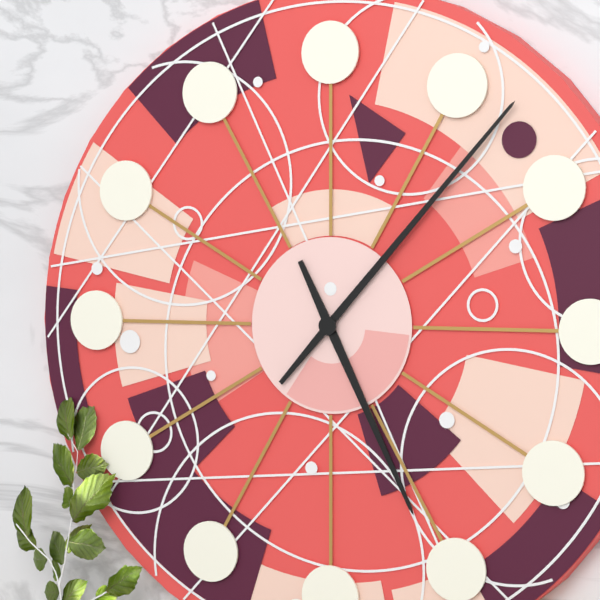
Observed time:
h=5 m=7
